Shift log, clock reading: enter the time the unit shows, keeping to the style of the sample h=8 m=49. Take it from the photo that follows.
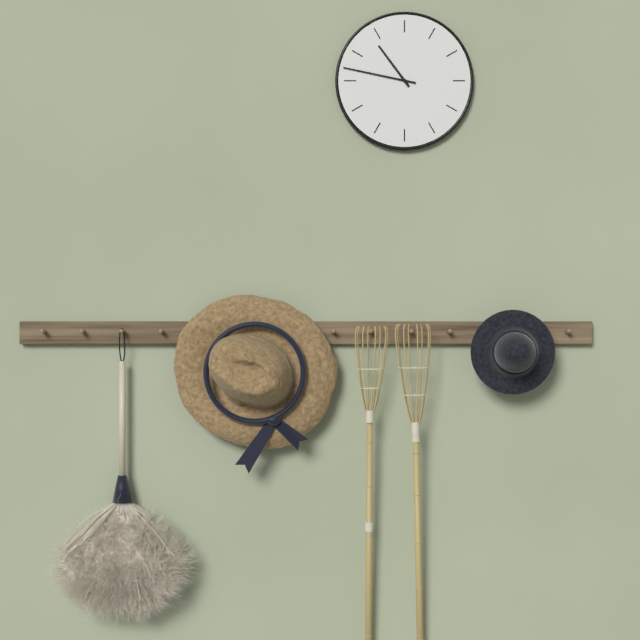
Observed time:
h=10 m=47
